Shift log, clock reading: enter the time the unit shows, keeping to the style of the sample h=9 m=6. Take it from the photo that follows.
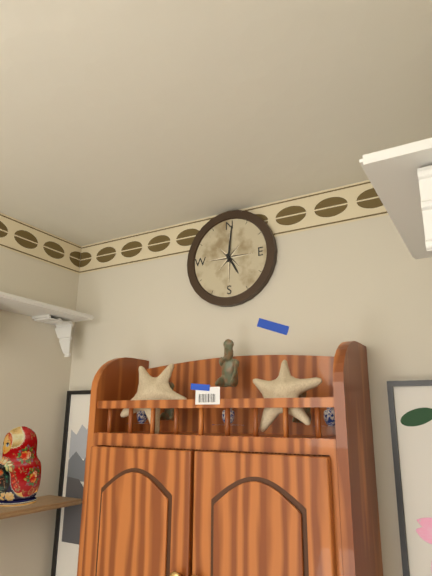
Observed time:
h=5 m=1
